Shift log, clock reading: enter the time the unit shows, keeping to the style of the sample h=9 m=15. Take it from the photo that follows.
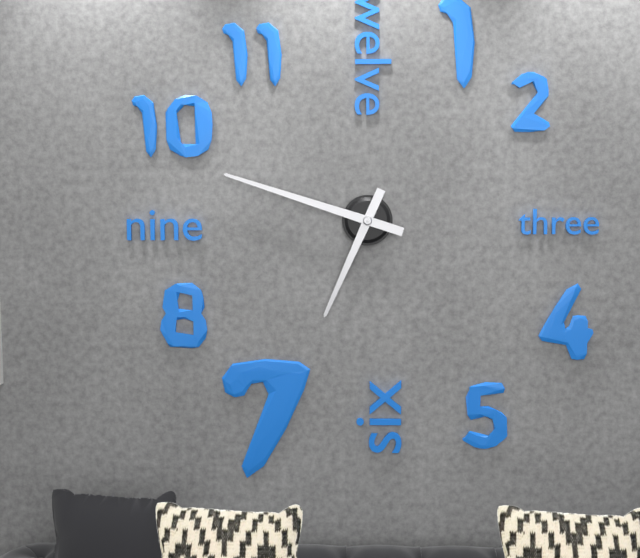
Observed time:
h=6 m=48
